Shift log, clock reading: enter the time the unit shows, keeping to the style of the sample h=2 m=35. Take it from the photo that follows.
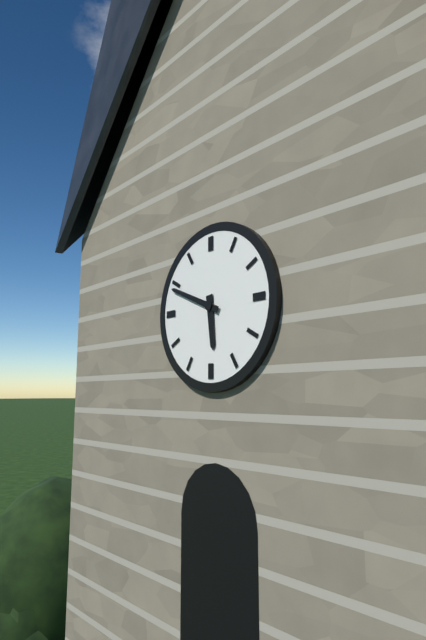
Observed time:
h=5 m=49
